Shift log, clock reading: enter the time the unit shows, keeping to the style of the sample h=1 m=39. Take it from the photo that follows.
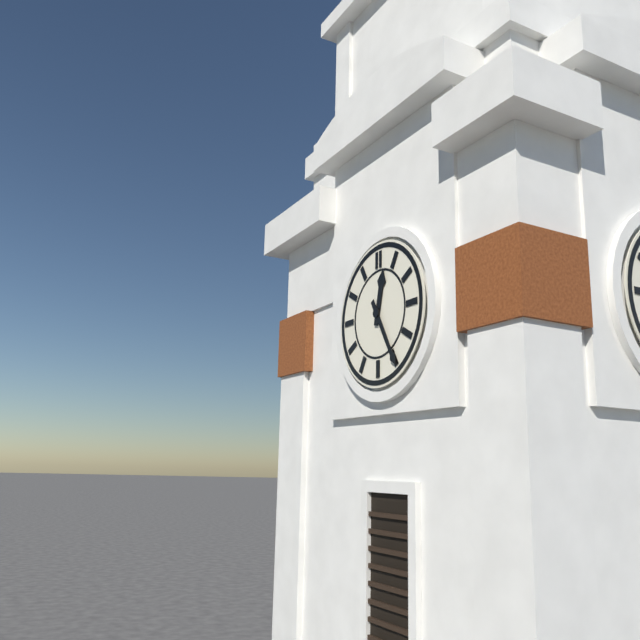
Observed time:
h=12 m=25
